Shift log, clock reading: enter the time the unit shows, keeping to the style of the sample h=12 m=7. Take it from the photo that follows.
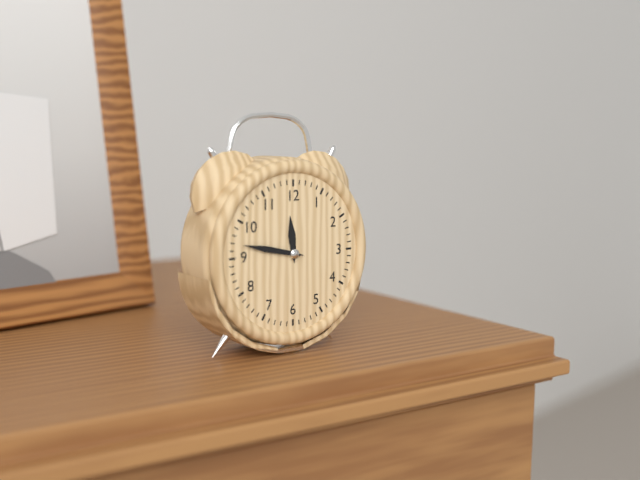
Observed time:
h=11 m=47
